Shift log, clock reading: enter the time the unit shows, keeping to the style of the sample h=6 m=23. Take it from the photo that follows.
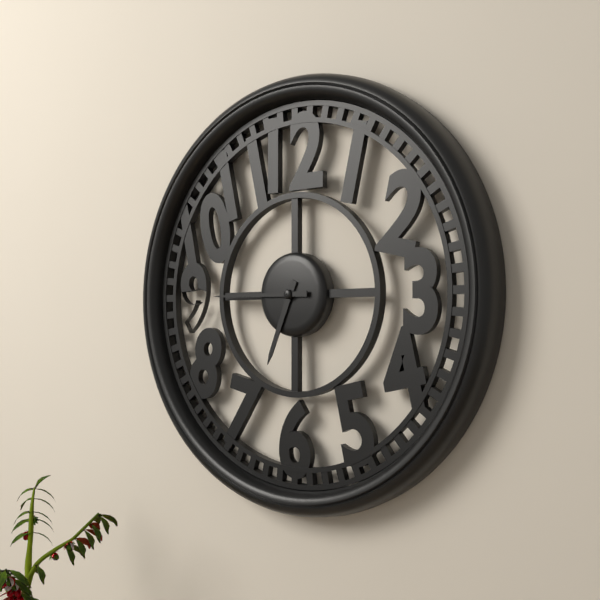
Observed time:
h=6 m=45
